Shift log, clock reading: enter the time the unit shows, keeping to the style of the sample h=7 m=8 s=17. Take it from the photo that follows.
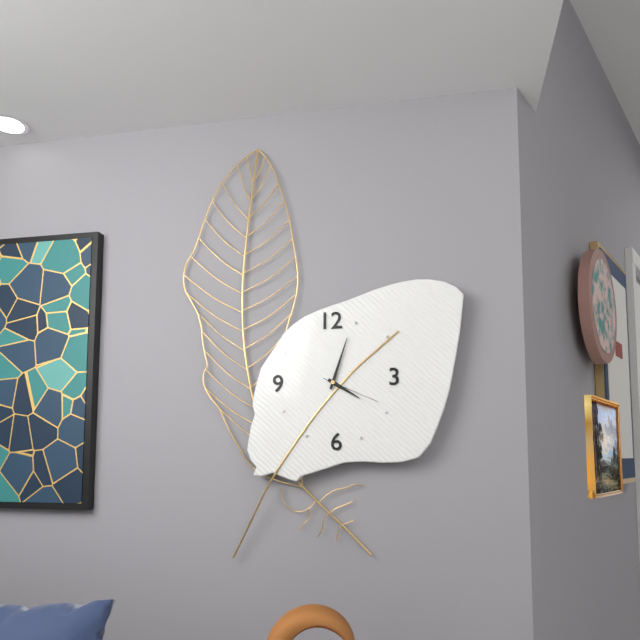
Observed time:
h=4 m=3 s=19
